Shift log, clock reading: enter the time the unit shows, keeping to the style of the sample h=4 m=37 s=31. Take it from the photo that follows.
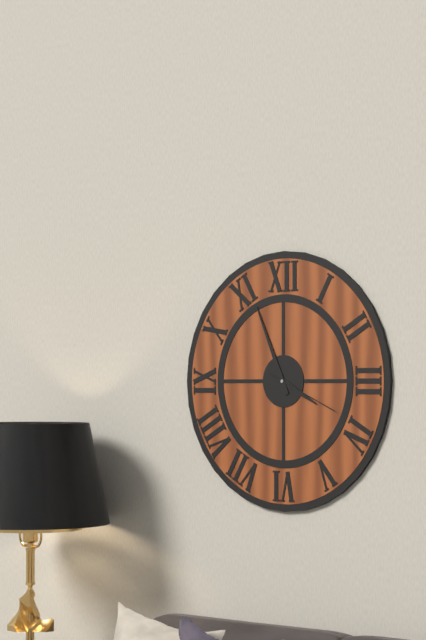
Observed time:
h=3 m=56 s=19
